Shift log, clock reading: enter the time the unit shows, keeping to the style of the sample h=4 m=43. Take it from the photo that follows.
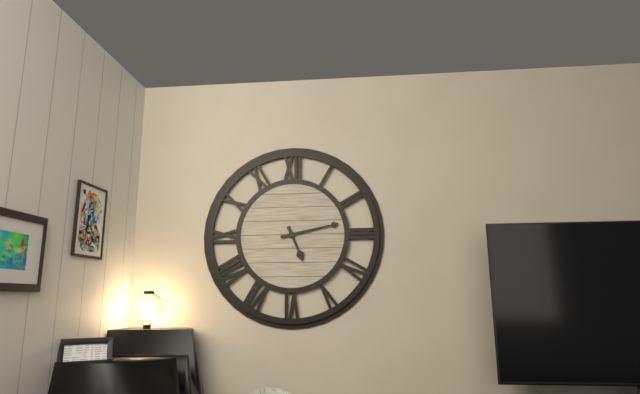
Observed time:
h=5 m=13
